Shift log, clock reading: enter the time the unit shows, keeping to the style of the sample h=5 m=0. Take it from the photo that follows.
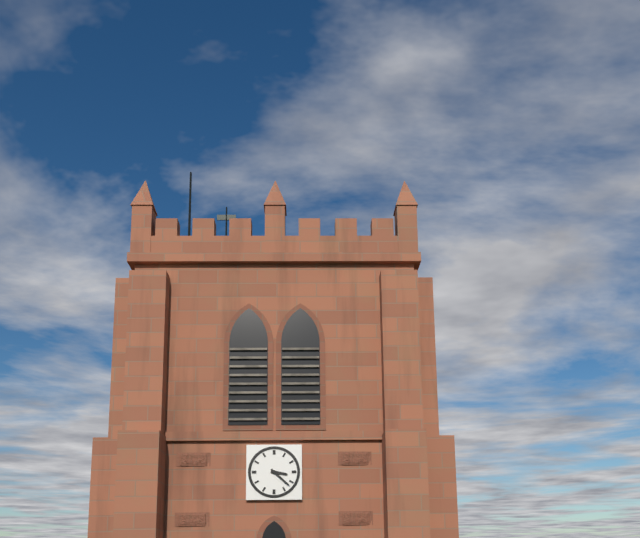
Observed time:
h=3 m=22
